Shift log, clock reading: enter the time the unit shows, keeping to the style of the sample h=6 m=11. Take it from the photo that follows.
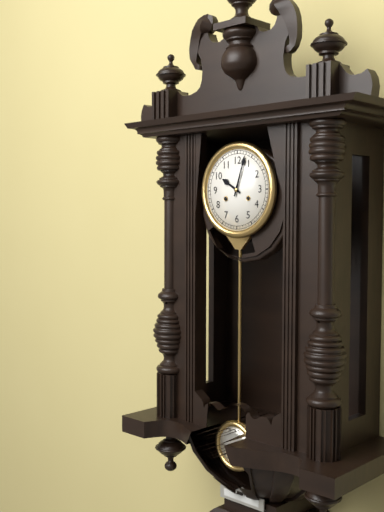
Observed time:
h=10 m=3
